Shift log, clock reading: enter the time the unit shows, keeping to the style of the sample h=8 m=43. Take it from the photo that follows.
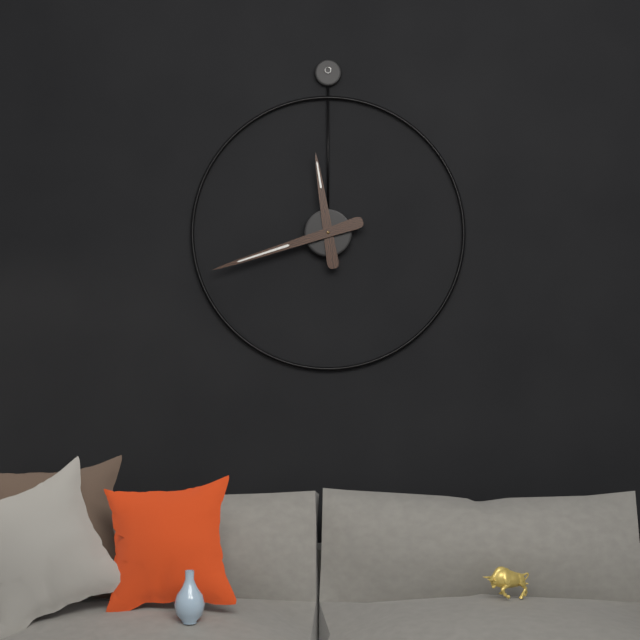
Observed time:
h=11 m=42
